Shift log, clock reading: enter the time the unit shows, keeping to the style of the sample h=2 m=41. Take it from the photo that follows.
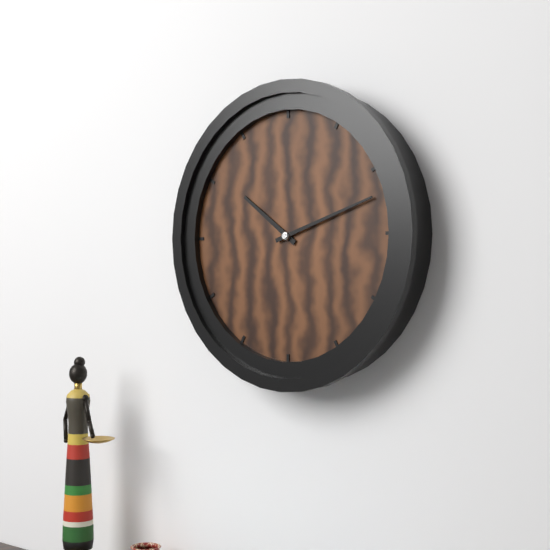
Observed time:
h=10 m=12
